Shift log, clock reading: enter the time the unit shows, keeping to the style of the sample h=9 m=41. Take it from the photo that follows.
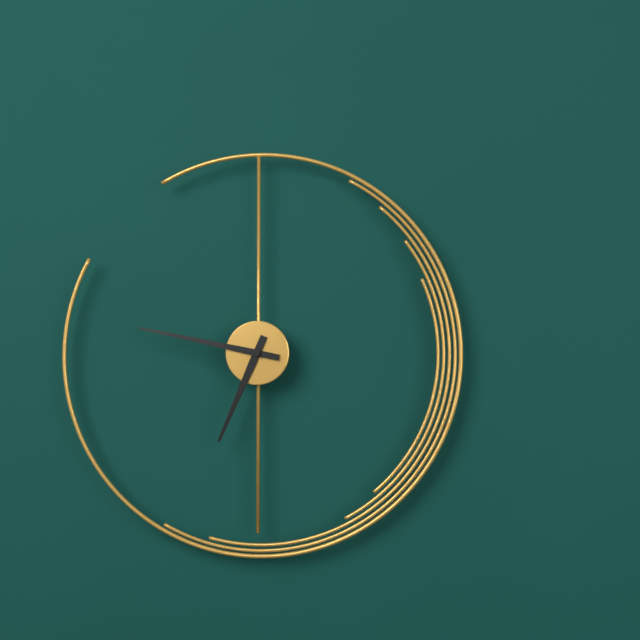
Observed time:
h=6 m=47
